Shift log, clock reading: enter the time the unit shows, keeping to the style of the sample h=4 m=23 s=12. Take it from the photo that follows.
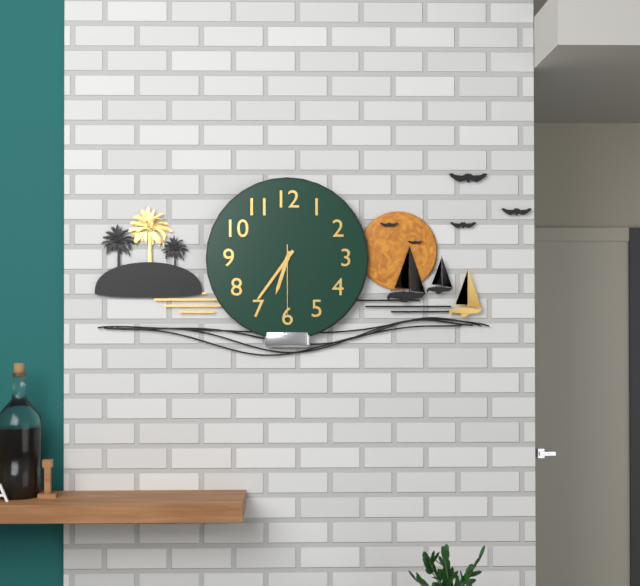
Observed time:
h=6 m=36 s=30
